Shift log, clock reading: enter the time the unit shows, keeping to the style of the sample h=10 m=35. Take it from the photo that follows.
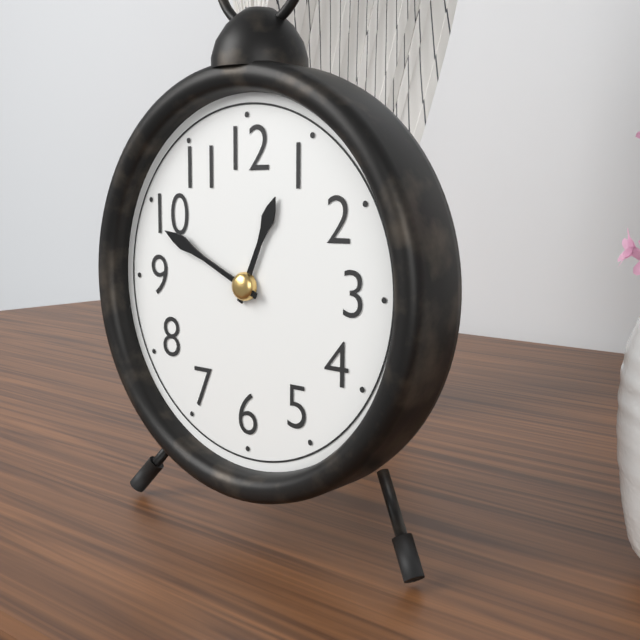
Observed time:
h=12 m=49
